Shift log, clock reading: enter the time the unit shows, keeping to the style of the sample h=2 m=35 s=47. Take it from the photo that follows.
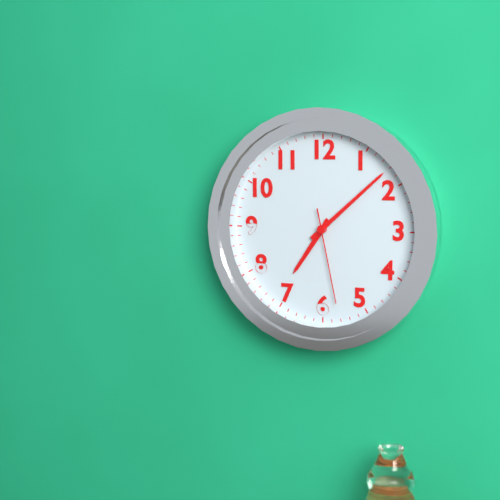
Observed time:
h=7 m=8 s=28
